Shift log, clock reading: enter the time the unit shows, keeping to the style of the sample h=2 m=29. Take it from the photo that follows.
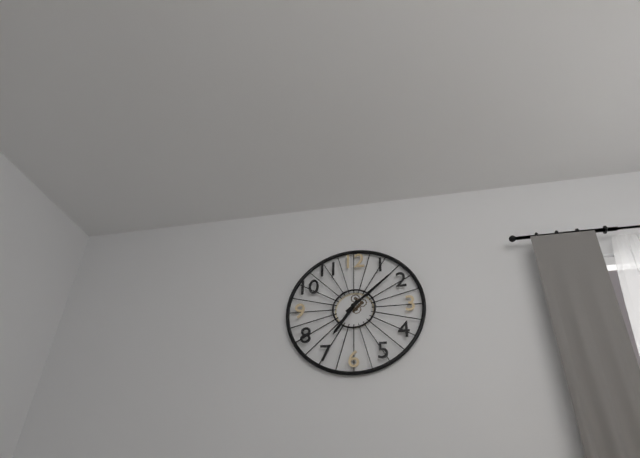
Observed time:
h=7 m=8
